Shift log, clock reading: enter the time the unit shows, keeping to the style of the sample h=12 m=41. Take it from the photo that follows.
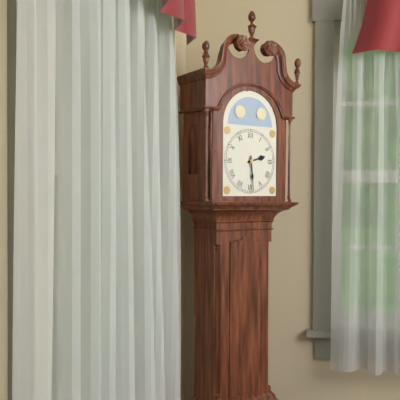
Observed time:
h=2 m=29
